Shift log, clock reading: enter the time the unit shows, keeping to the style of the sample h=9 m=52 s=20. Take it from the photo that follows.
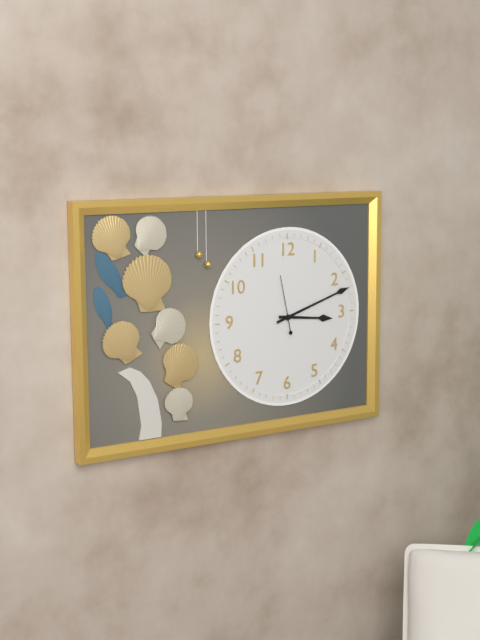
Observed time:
h=3 m=12 s=58
